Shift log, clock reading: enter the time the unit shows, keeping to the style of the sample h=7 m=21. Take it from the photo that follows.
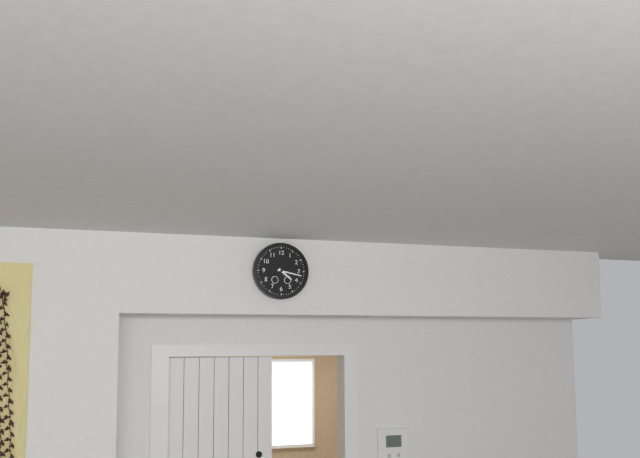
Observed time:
h=4 m=17
